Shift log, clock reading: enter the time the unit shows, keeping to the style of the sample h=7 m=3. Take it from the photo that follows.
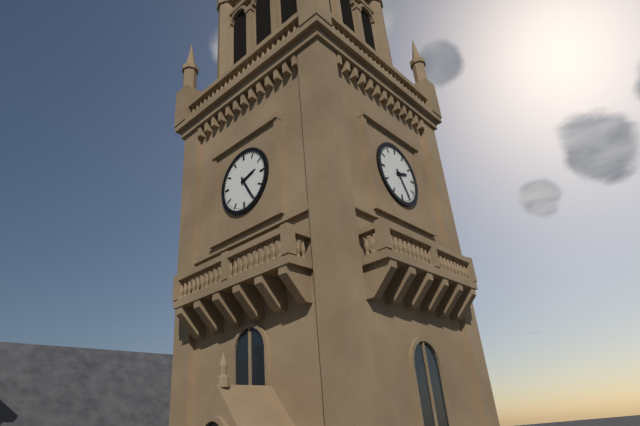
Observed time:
h=2 m=25
